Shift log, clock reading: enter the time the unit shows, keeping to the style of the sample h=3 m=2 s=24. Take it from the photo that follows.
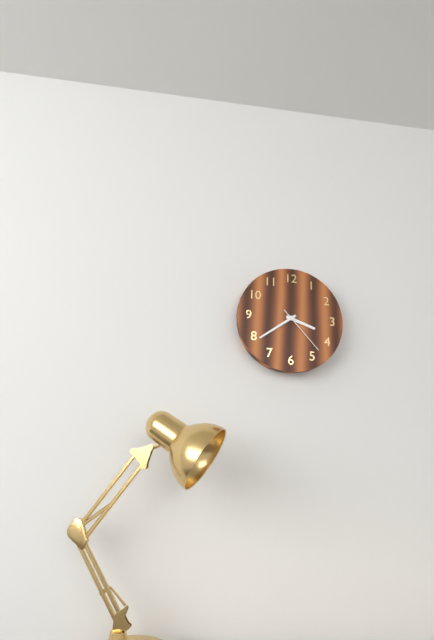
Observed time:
h=3 m=39 s=23
